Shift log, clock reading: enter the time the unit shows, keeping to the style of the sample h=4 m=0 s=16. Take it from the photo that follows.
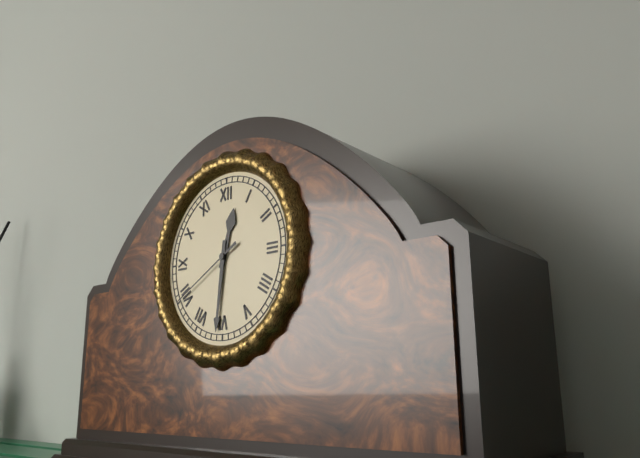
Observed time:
h=12 m=31 s=40
